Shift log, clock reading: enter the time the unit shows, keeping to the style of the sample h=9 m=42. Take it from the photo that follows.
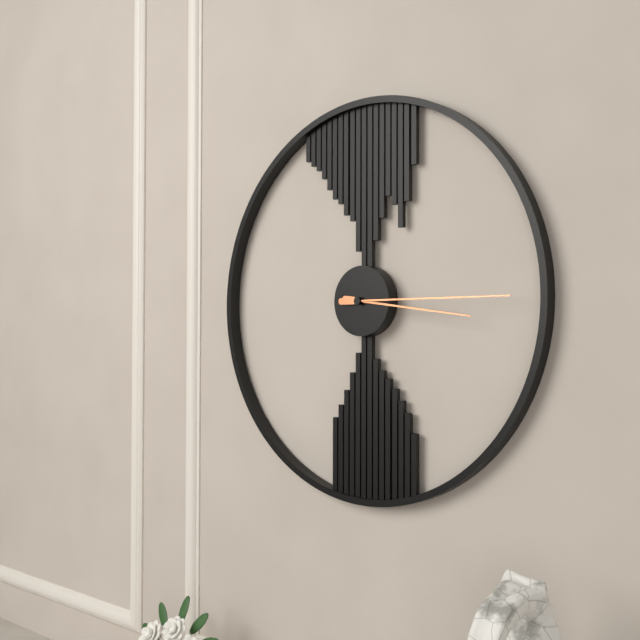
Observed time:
h=3 m=15
